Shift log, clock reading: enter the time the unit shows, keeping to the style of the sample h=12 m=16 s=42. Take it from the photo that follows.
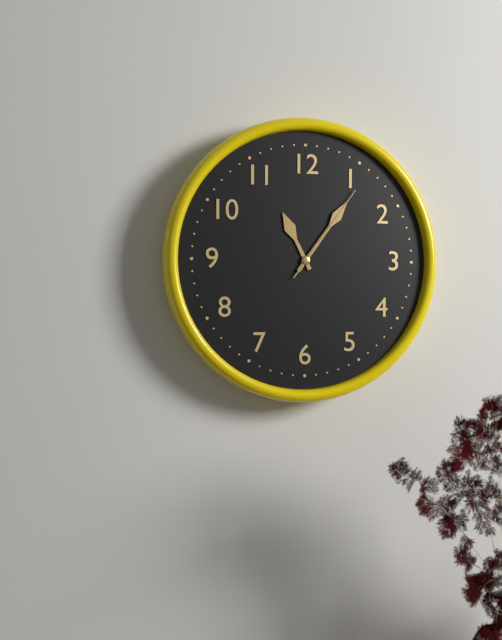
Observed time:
h=11 m=6 s=6
